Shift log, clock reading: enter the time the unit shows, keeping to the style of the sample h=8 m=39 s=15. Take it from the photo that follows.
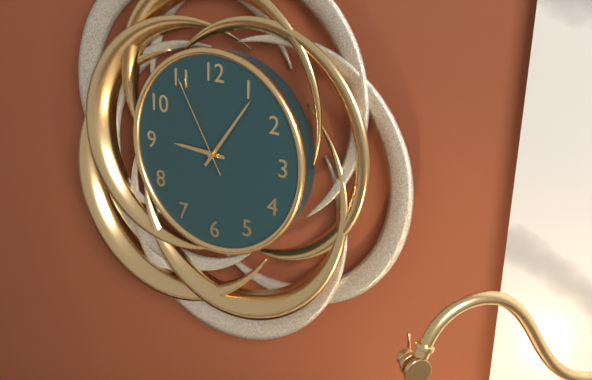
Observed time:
h=9 m=6 s=55
